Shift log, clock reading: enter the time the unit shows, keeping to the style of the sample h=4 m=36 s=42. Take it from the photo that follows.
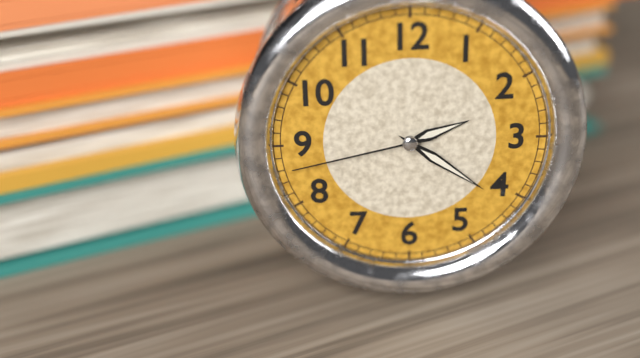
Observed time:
h=2 m=21 s=43
